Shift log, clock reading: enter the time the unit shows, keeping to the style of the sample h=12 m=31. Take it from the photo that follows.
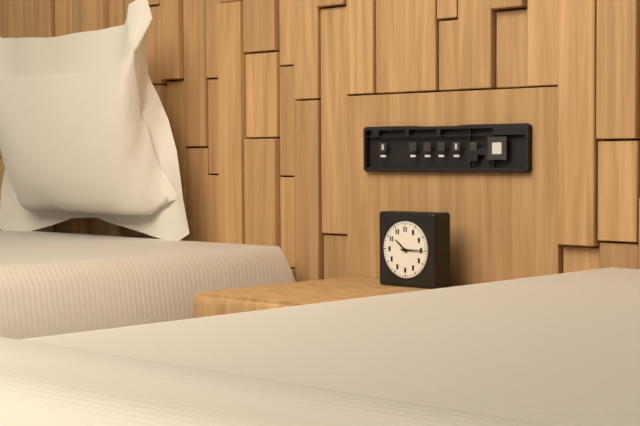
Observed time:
h=10 m=15
